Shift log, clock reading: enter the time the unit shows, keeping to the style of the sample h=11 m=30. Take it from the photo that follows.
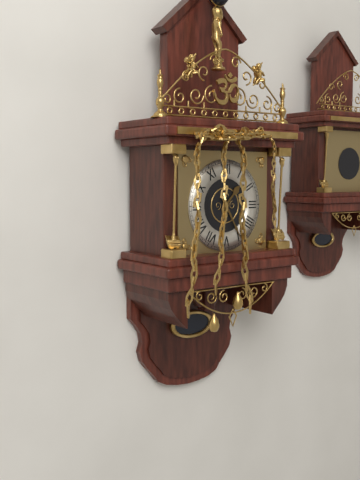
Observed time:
h=1 m=25
